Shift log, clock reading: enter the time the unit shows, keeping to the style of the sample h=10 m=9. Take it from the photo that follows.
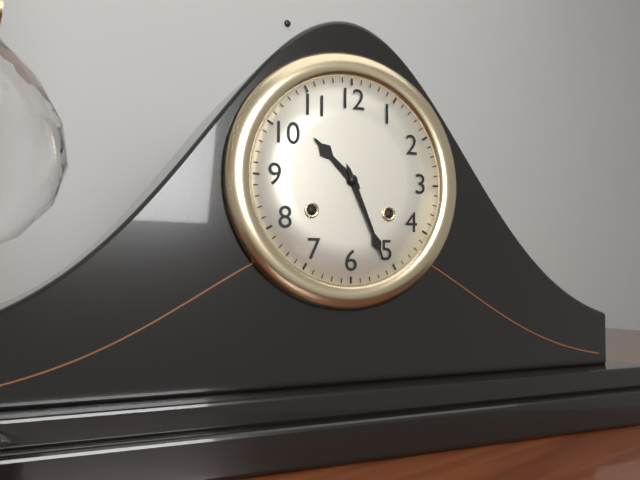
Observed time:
h=10 m=26
